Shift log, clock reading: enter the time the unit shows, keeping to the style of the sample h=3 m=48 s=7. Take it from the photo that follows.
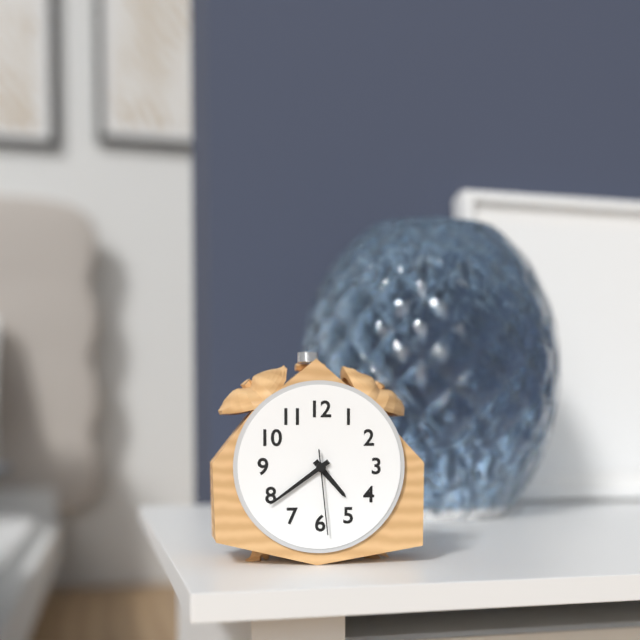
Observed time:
h=4 m=39 s=29
